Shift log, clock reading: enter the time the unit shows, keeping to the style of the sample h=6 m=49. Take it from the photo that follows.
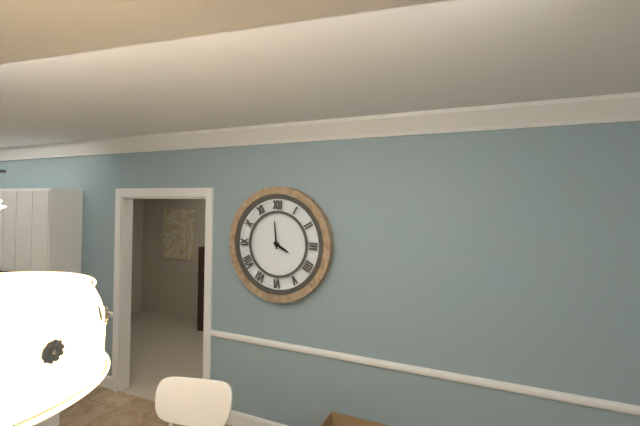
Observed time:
h=3 m=59
